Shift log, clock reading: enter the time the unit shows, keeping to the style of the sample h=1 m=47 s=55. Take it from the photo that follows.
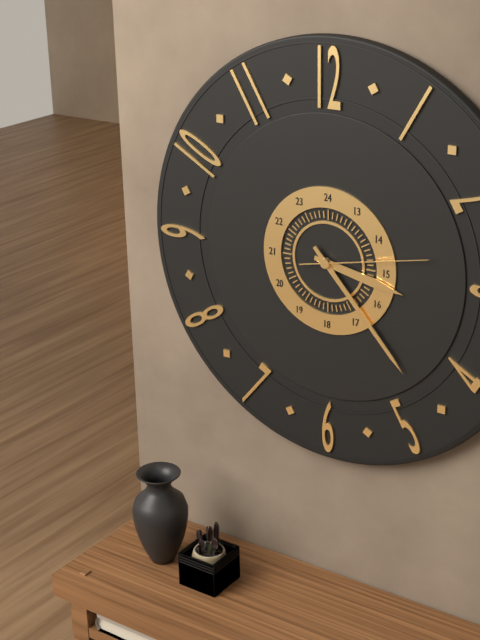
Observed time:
h=3 m=23 s=13
